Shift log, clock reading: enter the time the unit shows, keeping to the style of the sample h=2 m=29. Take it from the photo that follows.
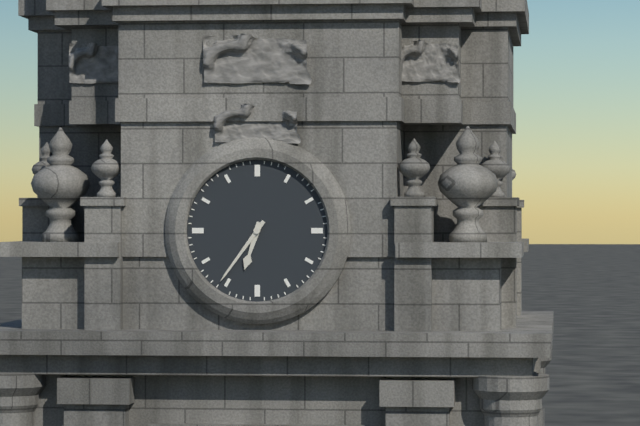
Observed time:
h=6 m=36
